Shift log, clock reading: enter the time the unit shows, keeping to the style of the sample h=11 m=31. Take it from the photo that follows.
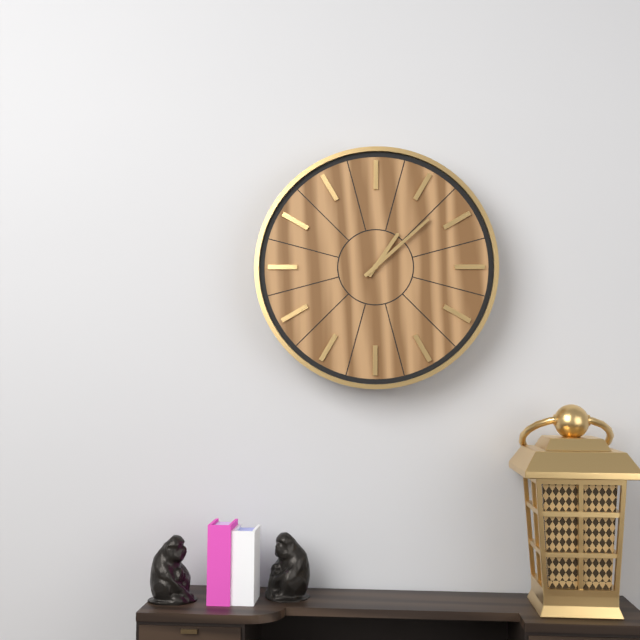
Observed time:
h=1 m=8
